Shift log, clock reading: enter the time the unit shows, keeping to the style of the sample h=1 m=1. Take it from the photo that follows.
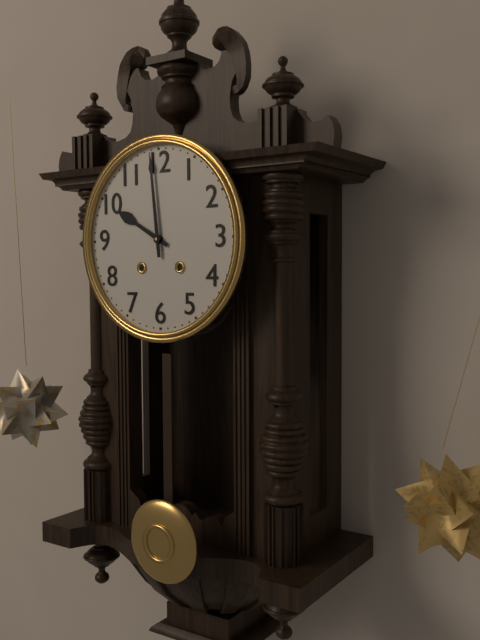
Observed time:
h=9 m=59
